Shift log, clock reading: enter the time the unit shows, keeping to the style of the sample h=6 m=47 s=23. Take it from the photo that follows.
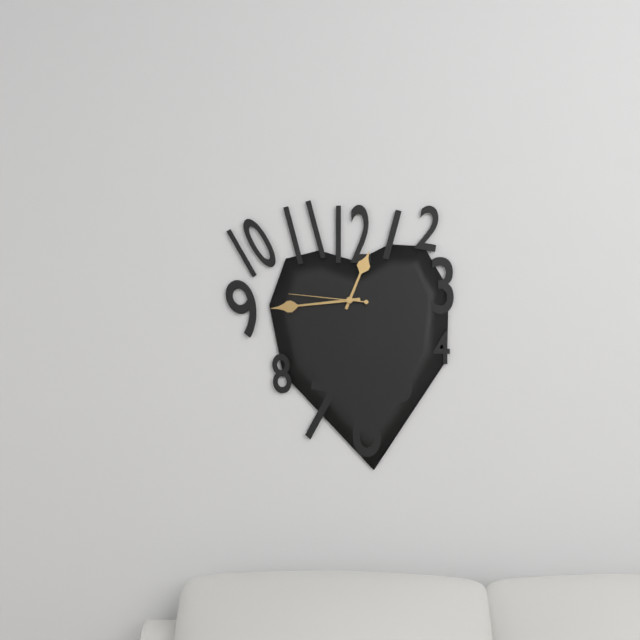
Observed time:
h=12 m=44 s=46
